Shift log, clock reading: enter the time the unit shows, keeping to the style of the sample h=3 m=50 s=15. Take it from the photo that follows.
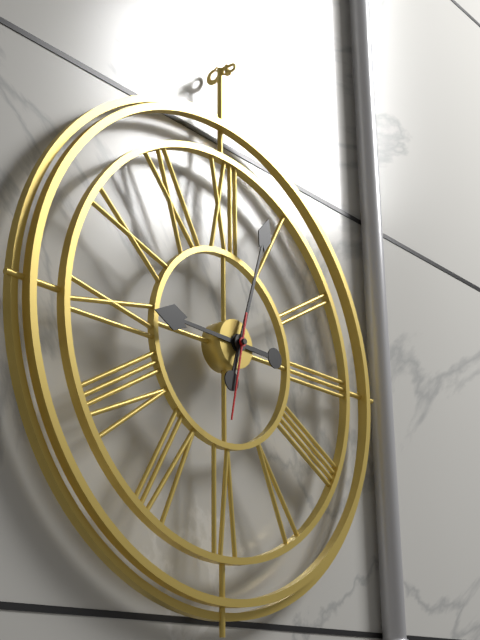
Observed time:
h=9 m=3 s=32
